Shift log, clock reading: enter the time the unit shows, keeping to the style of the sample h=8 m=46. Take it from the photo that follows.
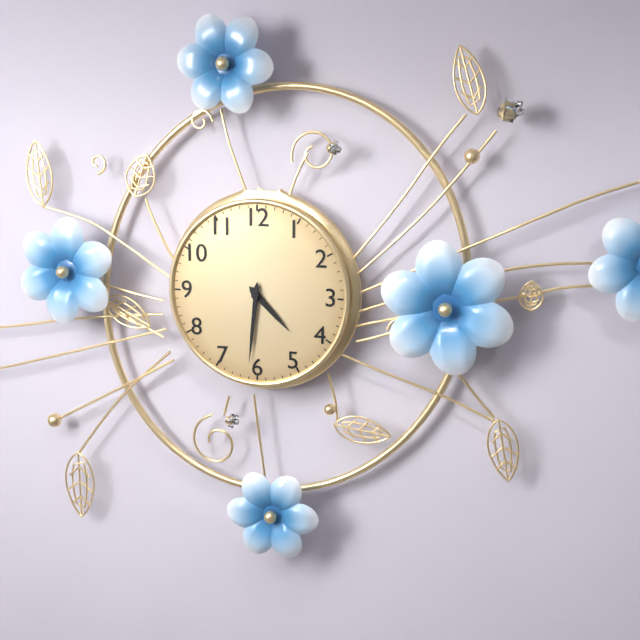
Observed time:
h=4 m=31
